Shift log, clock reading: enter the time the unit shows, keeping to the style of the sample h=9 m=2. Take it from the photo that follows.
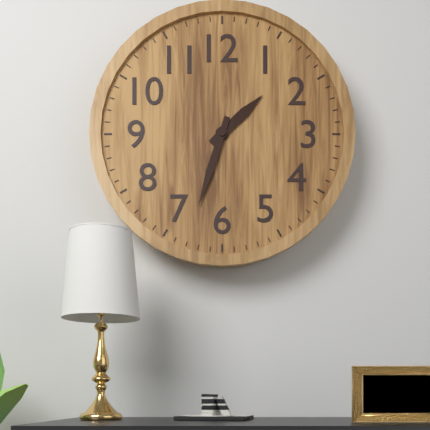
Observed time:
h=1 m=33
